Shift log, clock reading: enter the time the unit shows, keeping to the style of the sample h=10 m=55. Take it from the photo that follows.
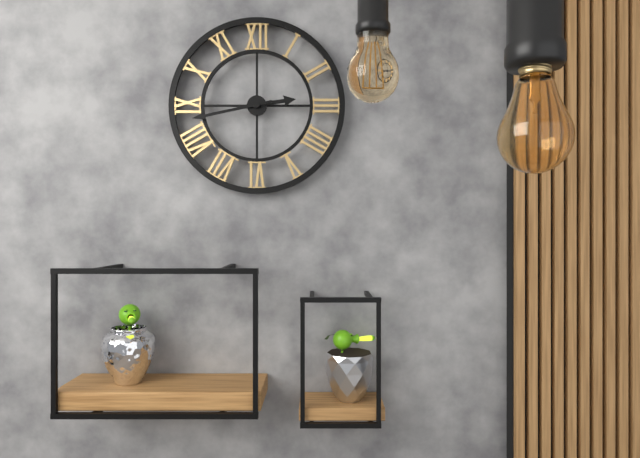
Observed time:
h=2 m=43
